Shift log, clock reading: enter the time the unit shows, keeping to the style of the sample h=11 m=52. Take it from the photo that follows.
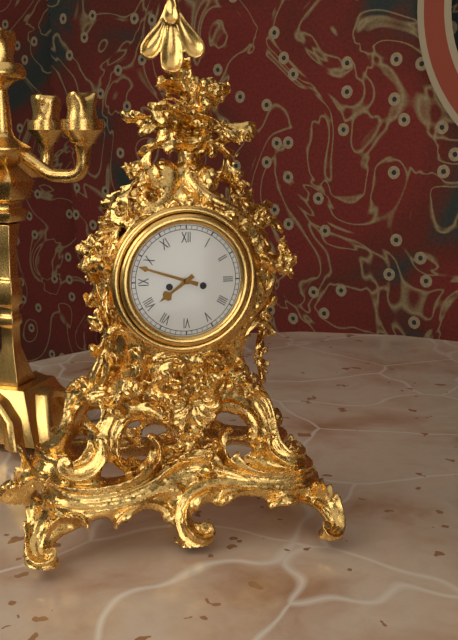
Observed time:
h=7 m=48
